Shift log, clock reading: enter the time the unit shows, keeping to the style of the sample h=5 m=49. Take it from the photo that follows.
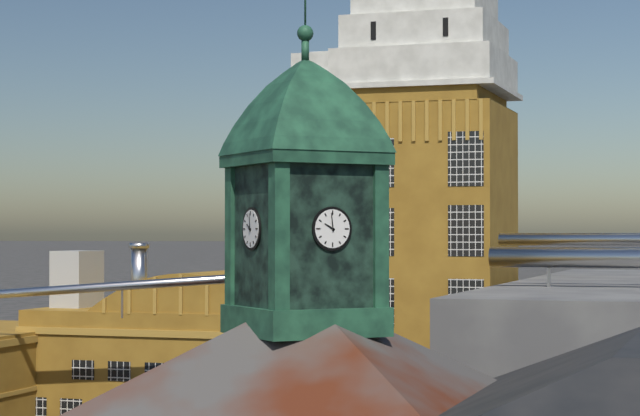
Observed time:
h=9 m=59
